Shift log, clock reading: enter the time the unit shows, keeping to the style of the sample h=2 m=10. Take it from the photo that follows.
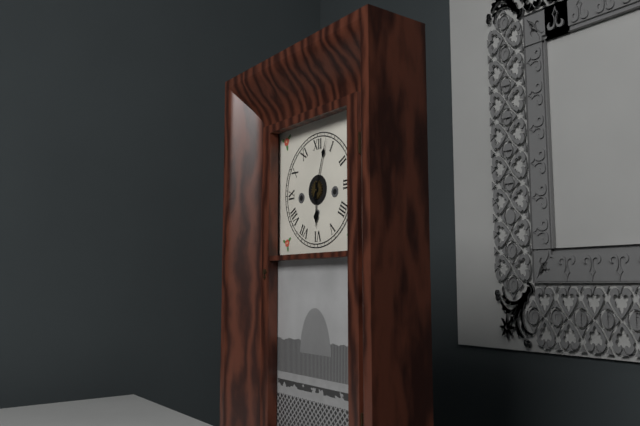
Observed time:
h=6 m=3
